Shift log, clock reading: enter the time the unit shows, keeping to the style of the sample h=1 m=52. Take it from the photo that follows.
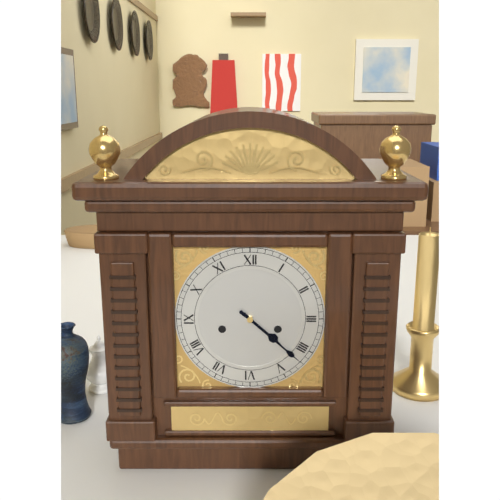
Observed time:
h=4 m=22
